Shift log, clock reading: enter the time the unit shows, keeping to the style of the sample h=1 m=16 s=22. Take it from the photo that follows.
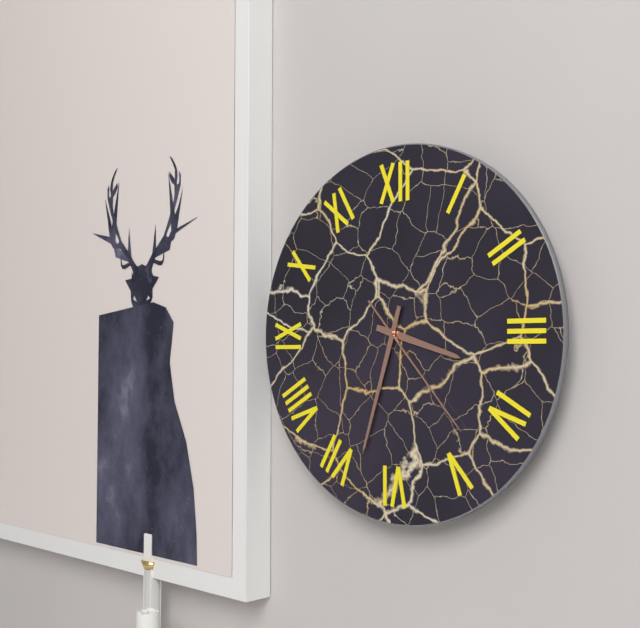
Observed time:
h=3 m=33 s=23
